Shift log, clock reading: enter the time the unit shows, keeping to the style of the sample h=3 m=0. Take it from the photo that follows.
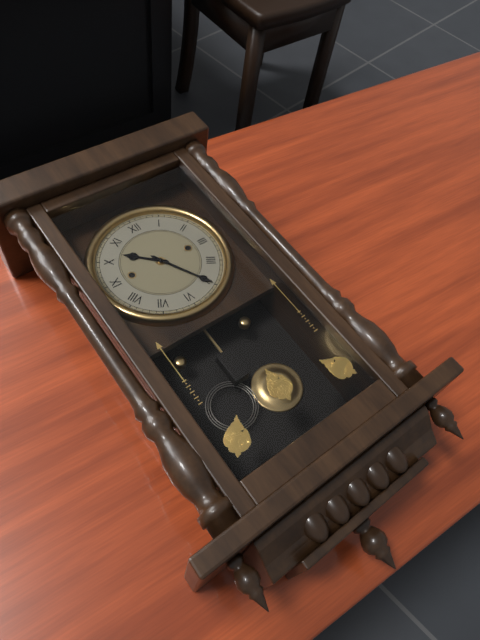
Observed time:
h=10 m=25
